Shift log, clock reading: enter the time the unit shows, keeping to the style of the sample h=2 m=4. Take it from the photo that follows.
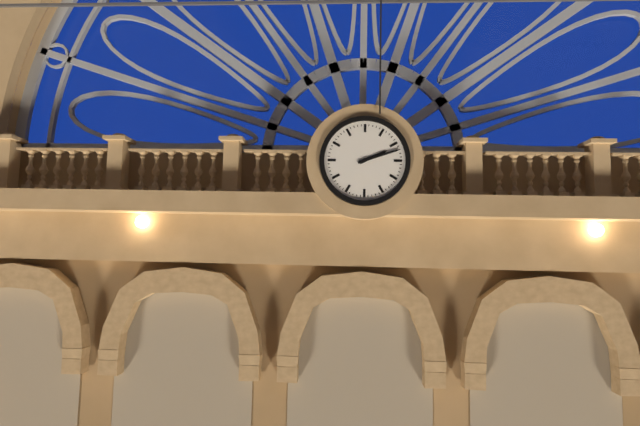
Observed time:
h=2 m=12
